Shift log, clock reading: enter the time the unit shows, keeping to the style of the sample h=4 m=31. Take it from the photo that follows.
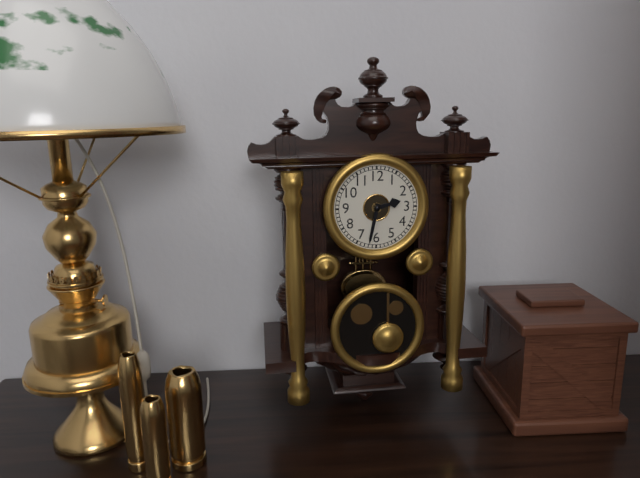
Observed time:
h=2 m=32
